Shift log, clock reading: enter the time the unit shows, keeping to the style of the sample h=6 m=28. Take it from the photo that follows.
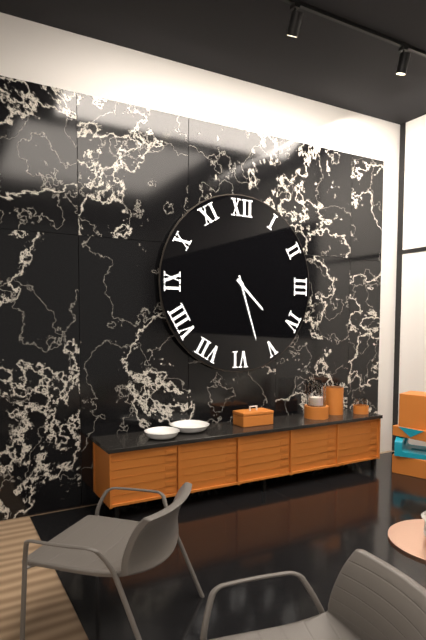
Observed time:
h=4 m=27
